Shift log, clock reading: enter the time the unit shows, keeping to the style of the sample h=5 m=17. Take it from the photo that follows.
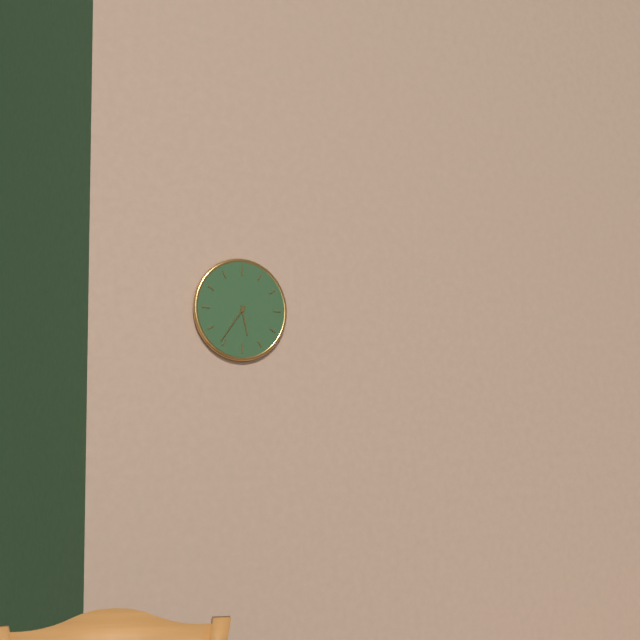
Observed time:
h=5 m=36
